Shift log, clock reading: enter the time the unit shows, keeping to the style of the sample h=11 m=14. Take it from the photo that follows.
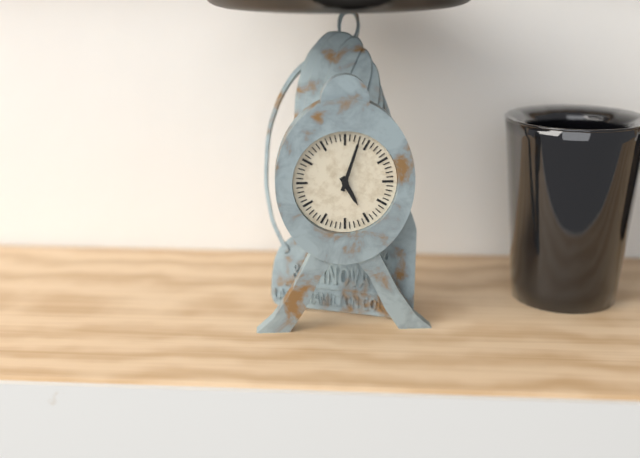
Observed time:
h=5 m=3
